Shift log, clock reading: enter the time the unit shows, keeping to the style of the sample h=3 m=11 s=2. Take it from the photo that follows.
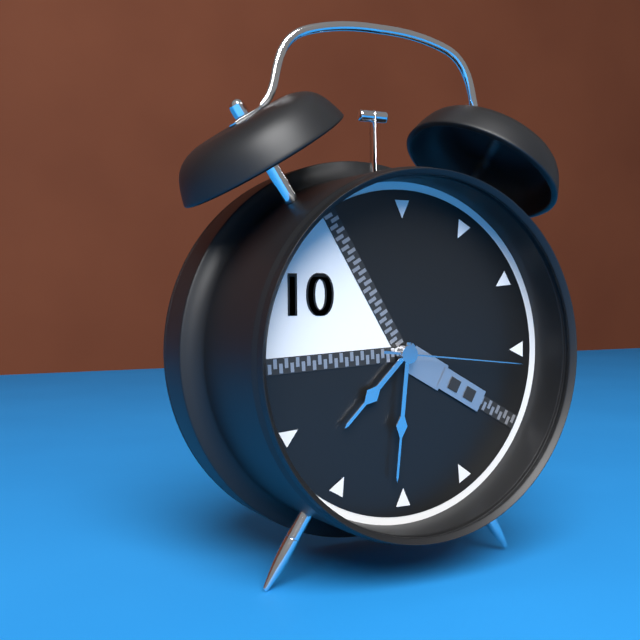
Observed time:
h=7 m=31 s=16
